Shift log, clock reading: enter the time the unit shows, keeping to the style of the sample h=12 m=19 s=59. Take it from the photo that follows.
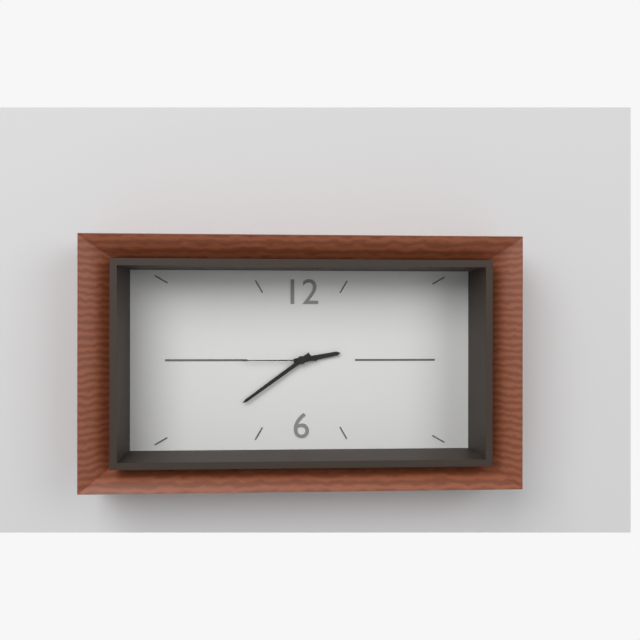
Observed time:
h=2 m=39 s=45
